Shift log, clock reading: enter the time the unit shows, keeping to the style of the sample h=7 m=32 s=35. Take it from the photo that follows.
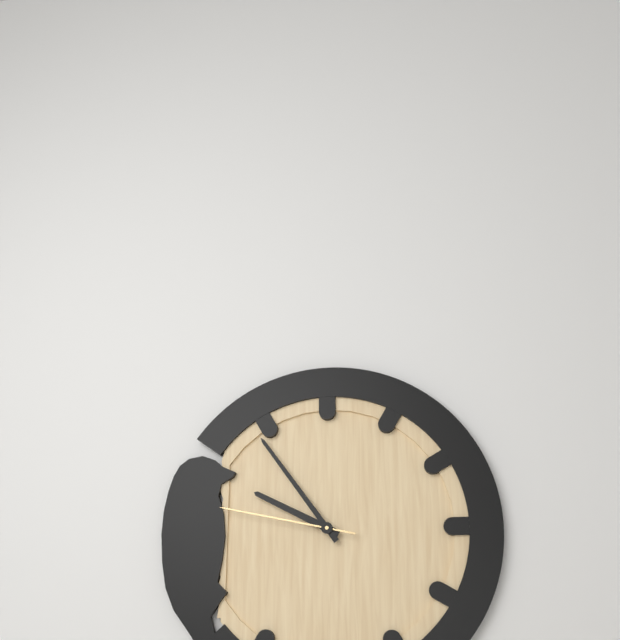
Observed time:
h=9 m=54 s=47
